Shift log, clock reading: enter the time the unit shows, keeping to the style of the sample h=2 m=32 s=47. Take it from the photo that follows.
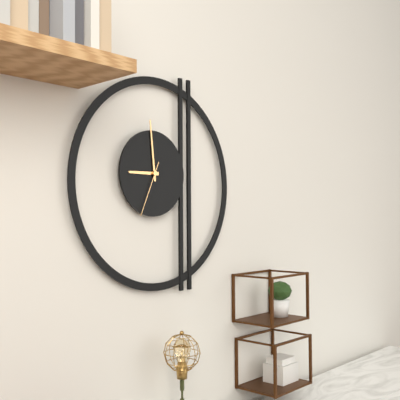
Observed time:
h=8 m=59 s=34
